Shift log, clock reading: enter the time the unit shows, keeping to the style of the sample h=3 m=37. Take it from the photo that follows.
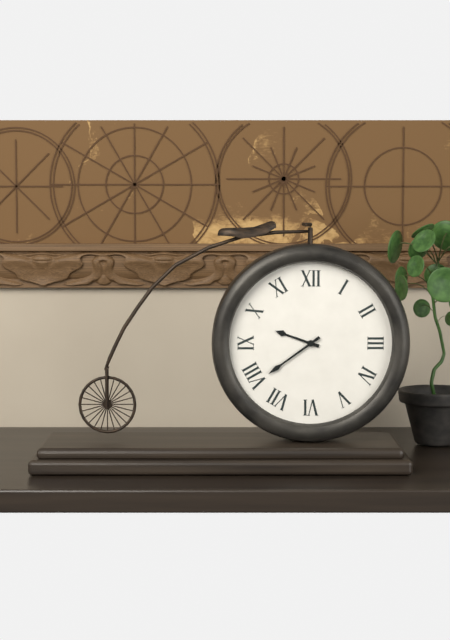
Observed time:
h=9 m=39
